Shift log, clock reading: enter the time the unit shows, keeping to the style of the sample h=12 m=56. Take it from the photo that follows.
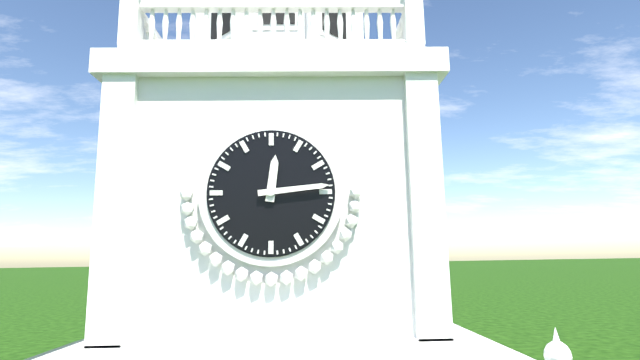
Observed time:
h=12 m=14
